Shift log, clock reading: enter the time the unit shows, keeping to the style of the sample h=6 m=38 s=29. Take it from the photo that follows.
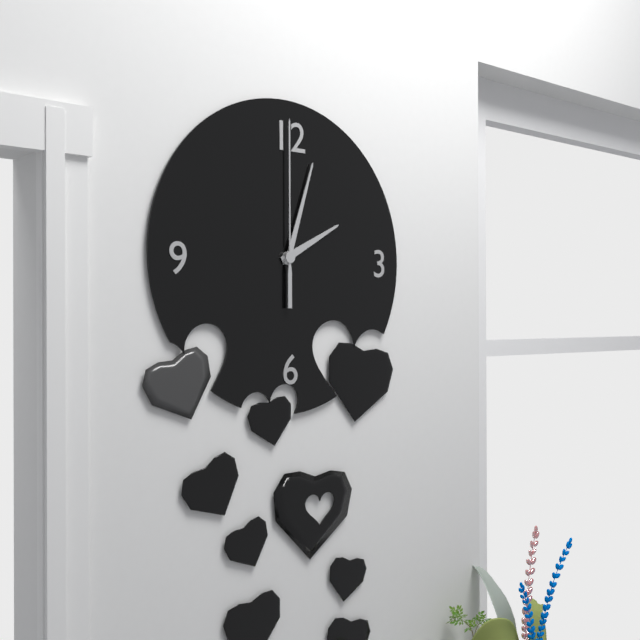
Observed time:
h=2 m=3 s=0
